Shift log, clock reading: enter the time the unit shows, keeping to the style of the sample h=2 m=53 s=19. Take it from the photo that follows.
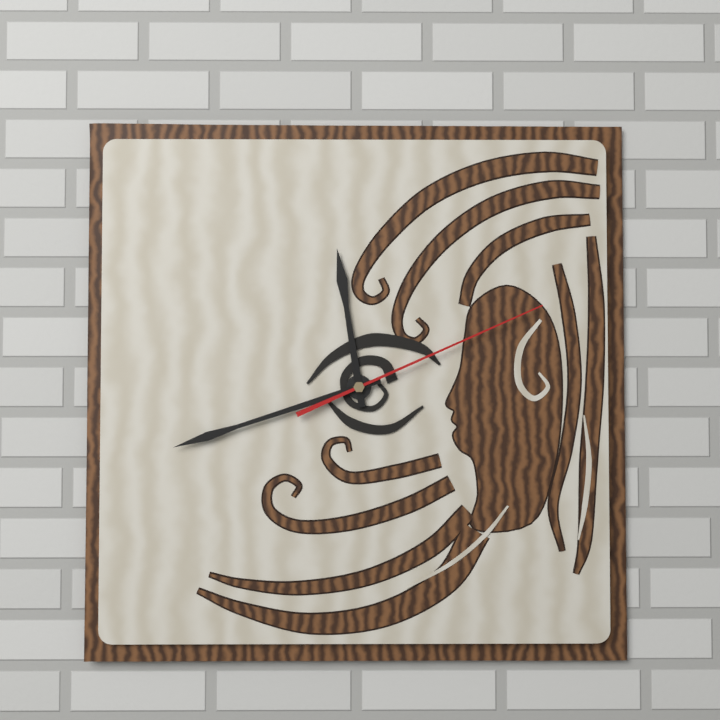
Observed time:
h=11 m=42 s=11
